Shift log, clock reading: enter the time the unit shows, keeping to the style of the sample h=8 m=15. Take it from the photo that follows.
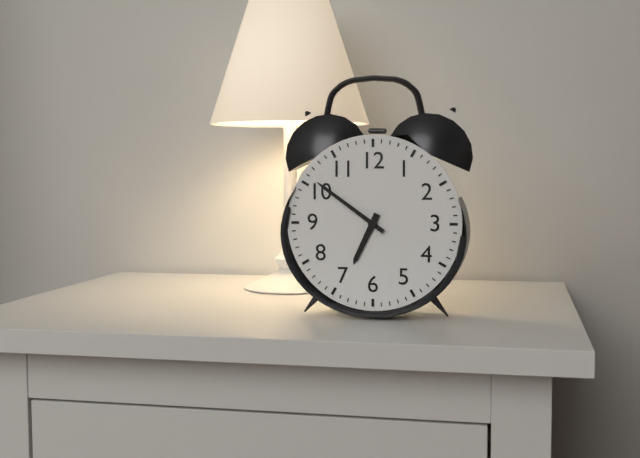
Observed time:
h=6 m=51
